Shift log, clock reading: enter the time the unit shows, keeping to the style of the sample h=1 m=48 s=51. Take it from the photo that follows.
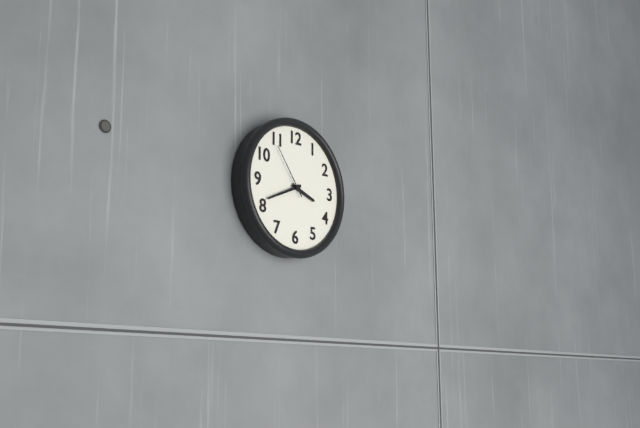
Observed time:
h=3 m=41 s=54
